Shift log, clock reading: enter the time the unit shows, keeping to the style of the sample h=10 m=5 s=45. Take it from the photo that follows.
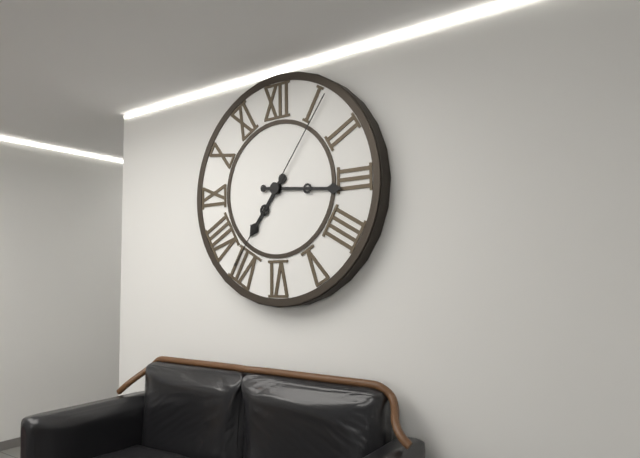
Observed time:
h=7 m=16 s=6
